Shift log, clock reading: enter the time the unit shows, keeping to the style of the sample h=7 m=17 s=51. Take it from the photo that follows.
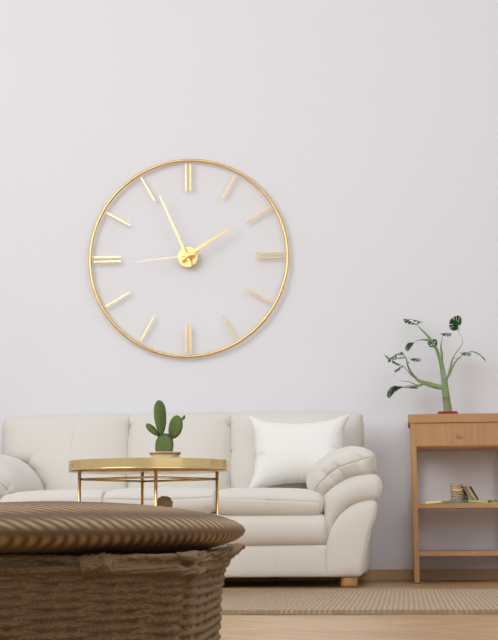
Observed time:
h=1 m=56 s=44
